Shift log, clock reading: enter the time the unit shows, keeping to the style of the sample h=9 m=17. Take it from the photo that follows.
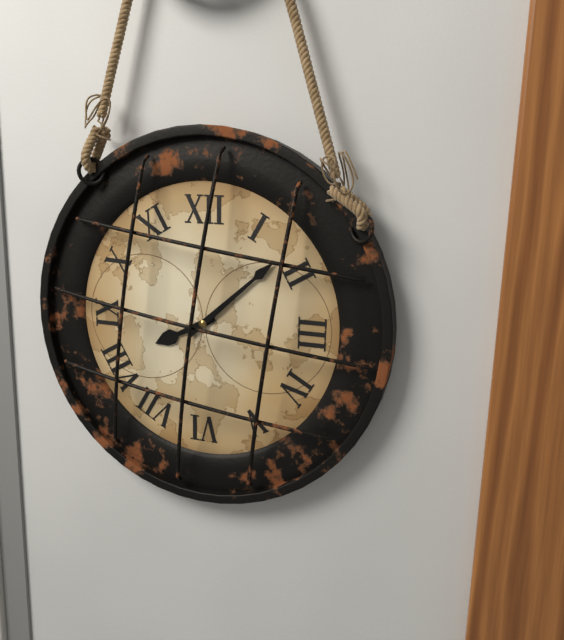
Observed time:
h=8 m=8
